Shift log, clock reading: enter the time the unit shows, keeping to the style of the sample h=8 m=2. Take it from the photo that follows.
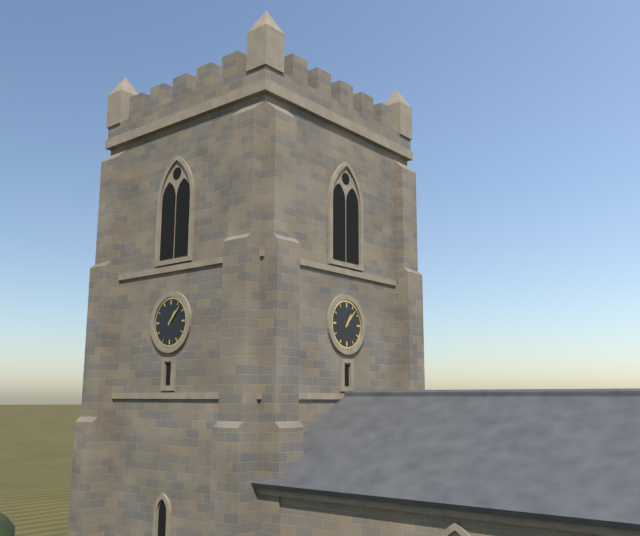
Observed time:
h=1 m=7
